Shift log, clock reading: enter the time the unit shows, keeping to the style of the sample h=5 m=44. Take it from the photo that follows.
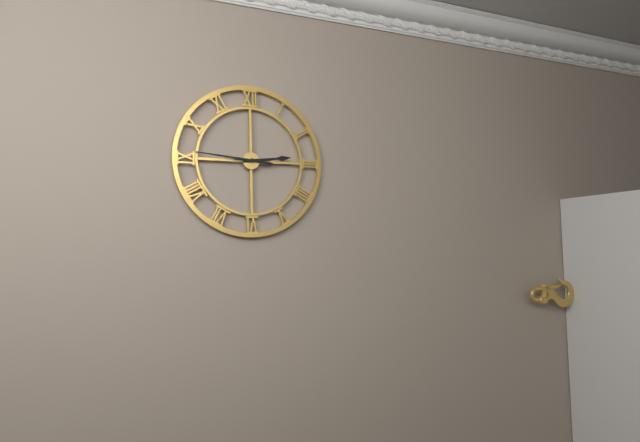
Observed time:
h=2 m=46
